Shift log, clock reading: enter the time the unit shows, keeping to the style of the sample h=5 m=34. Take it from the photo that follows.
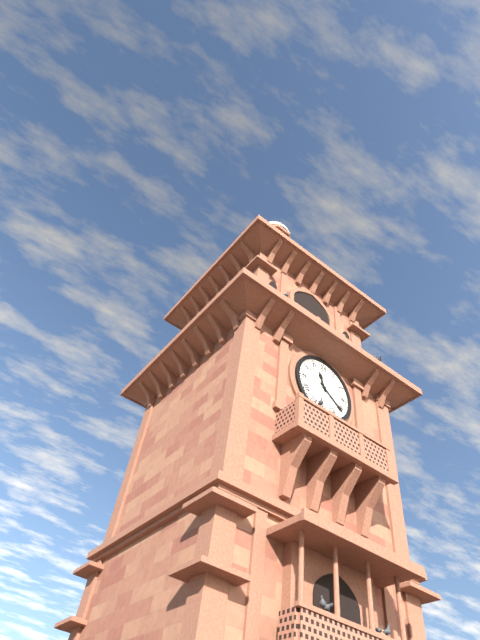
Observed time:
h=11 m=21
